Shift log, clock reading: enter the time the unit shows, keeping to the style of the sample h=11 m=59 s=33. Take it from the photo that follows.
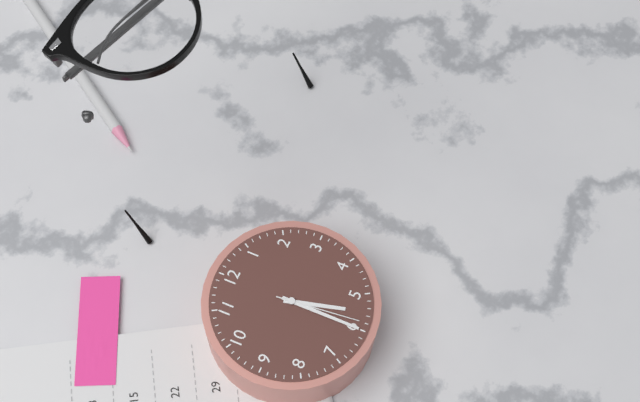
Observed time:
h=5 m=30 s=29
